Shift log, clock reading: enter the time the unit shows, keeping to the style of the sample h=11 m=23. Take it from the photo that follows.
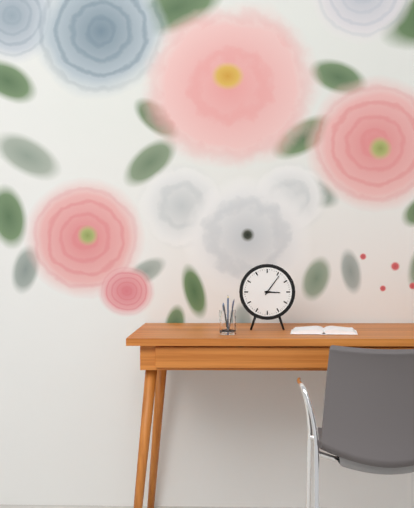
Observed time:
h=3 m=6
